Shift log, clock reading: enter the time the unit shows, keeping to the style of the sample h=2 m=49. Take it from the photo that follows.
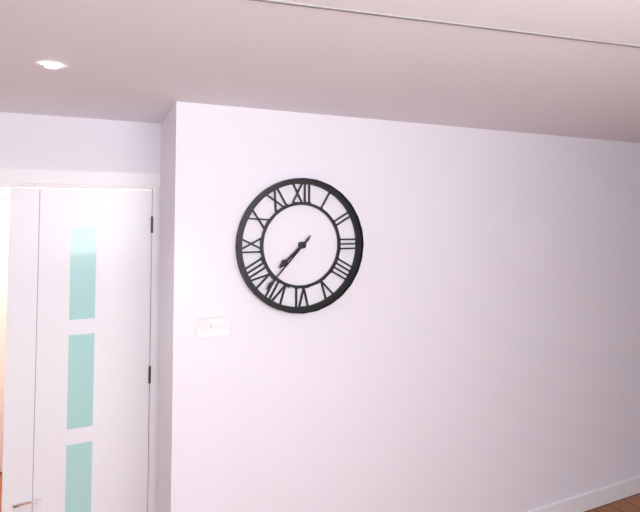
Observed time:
h=7 m=37
